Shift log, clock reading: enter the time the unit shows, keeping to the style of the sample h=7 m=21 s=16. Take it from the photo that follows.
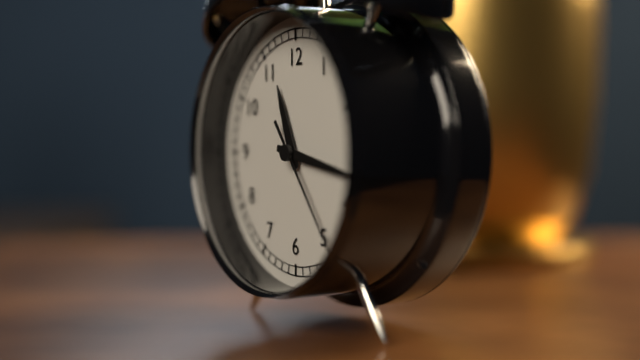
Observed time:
h=11 m=17 s=24
